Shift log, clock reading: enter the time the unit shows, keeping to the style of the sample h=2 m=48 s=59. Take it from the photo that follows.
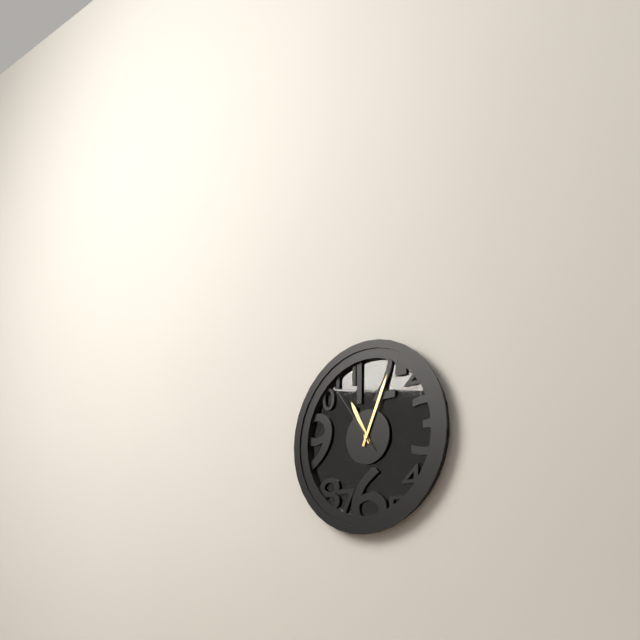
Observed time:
h=11 m=4 s=54
